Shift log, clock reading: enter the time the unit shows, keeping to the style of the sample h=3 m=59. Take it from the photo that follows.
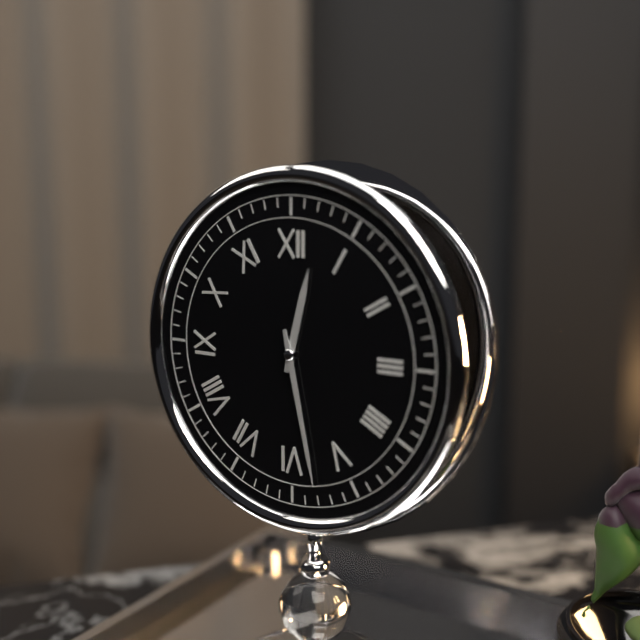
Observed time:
h=12 m=28
